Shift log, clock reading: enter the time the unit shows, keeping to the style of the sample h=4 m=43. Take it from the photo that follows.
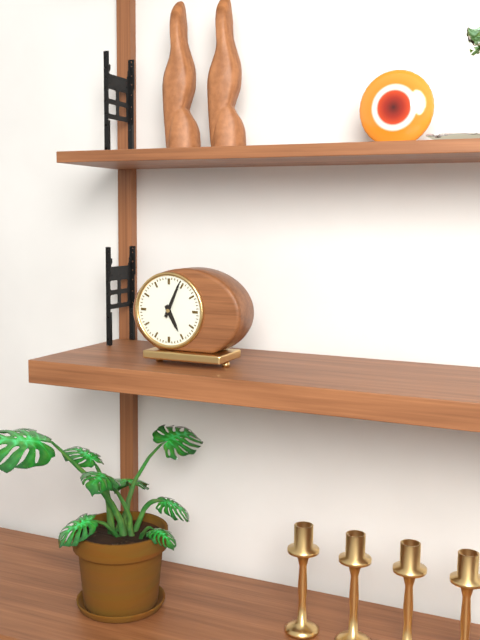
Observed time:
h=5 m=4
